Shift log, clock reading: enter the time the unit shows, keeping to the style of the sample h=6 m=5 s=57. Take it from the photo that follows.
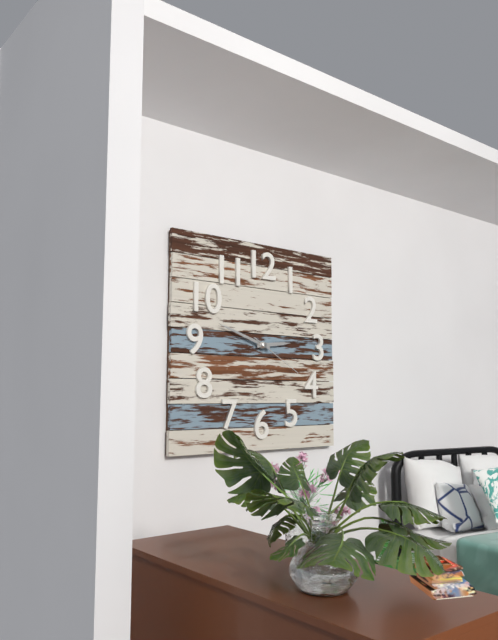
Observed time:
h=2 m=48 s=20
